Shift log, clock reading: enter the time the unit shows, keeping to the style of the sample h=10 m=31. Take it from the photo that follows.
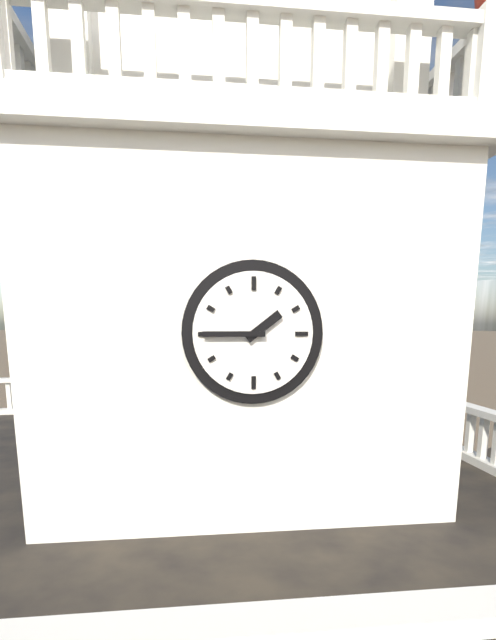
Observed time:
h=1 m=45
